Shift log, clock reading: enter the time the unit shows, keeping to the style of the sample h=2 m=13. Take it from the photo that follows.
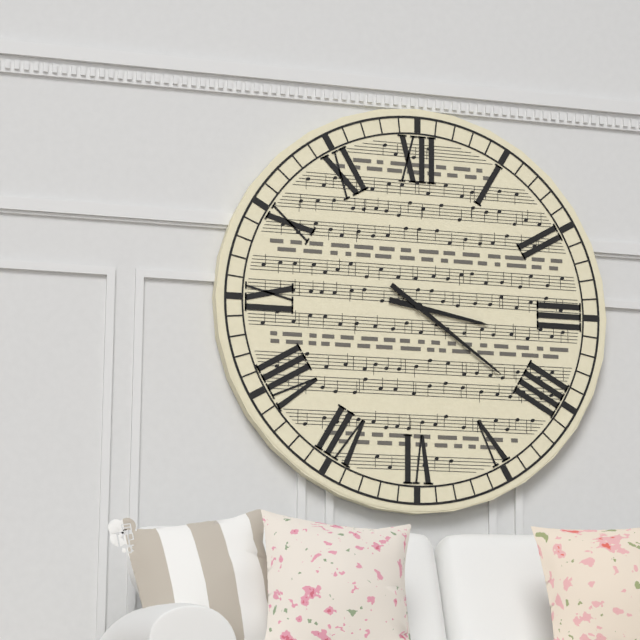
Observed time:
h=3 m=21
